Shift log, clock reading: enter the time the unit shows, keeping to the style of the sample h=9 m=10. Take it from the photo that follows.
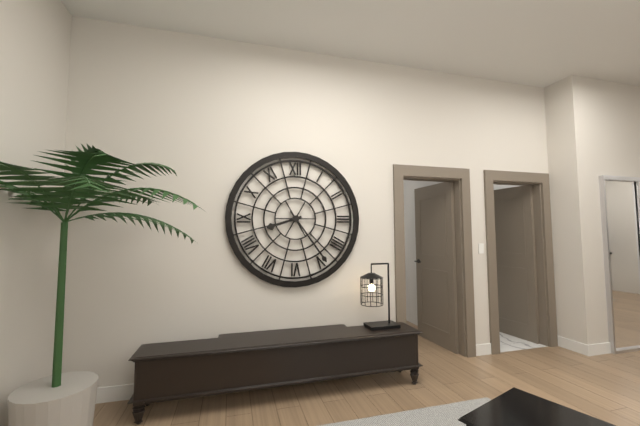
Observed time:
h=8 m=24
